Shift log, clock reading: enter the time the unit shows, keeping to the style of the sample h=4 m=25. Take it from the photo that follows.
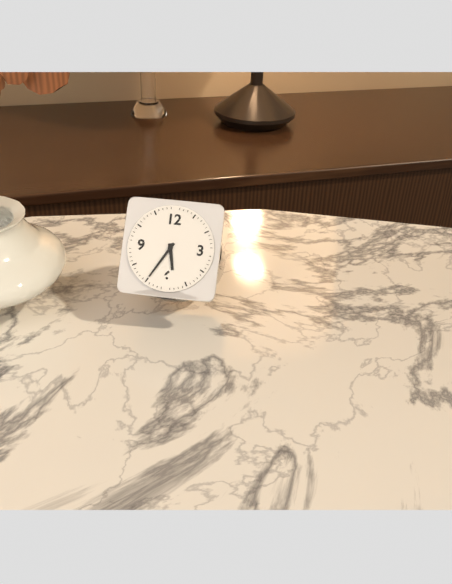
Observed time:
h=5 m=35
